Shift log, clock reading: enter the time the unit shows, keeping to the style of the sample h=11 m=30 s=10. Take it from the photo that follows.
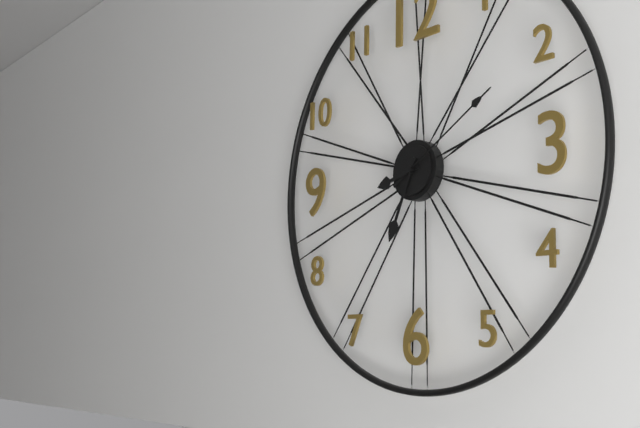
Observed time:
h=8 m=34 s=10
